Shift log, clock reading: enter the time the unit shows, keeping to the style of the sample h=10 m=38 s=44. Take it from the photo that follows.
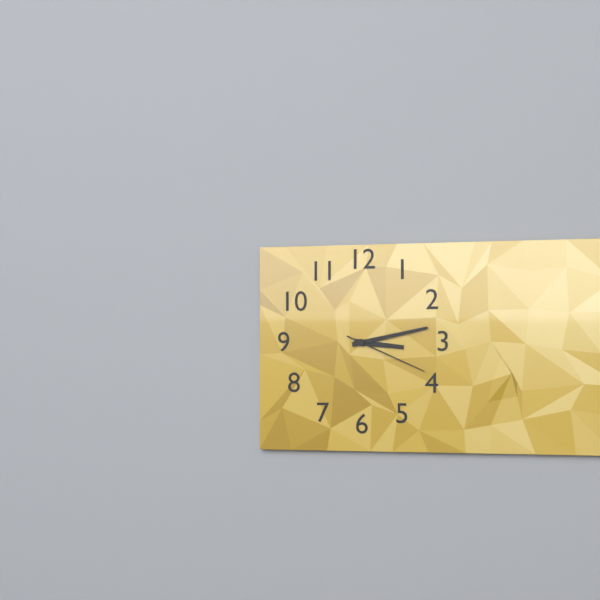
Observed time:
h=3 m=13 s=19
